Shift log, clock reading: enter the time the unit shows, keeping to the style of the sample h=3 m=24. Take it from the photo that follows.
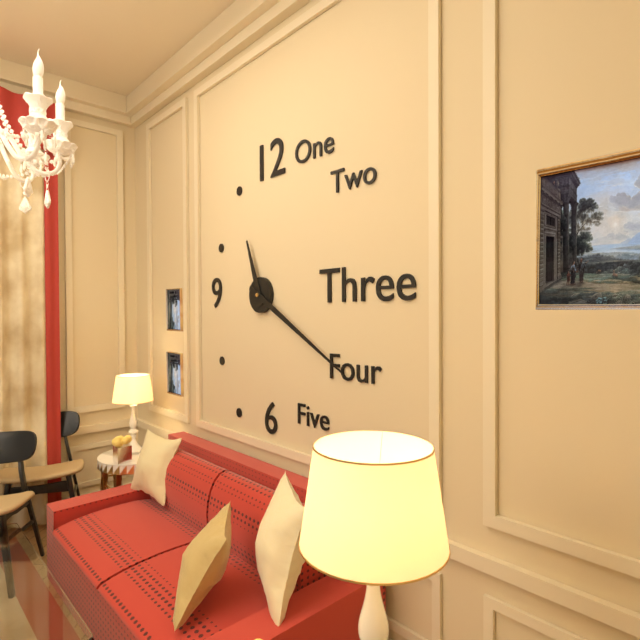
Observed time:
h=11 m=20
